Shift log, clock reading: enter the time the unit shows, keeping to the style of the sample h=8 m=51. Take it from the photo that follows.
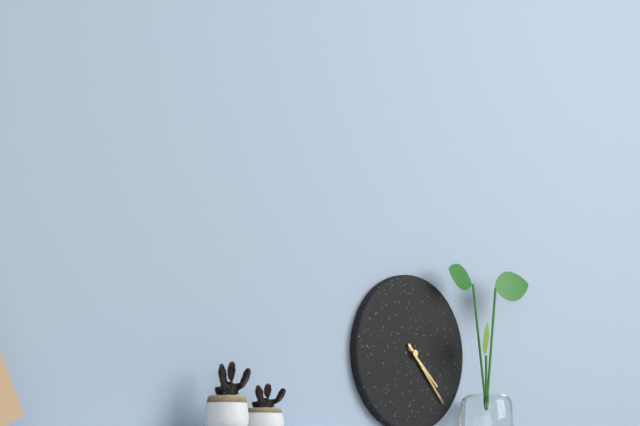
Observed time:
h=4 m=23
